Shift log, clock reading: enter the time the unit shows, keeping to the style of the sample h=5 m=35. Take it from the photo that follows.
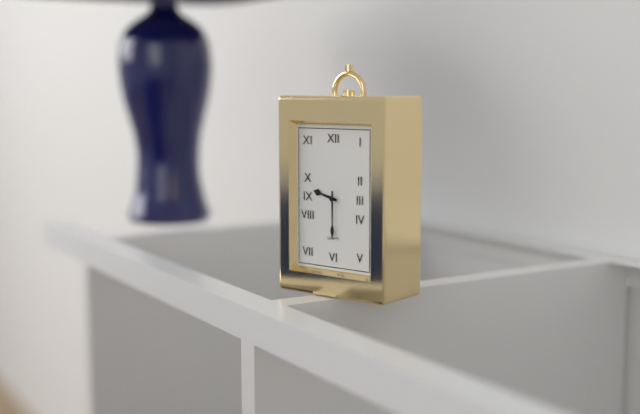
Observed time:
h=9 m=30
